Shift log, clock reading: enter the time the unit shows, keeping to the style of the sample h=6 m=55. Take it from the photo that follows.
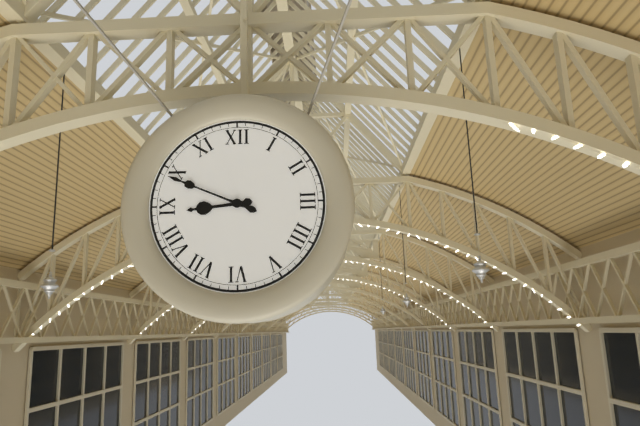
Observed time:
h=8 m=49
